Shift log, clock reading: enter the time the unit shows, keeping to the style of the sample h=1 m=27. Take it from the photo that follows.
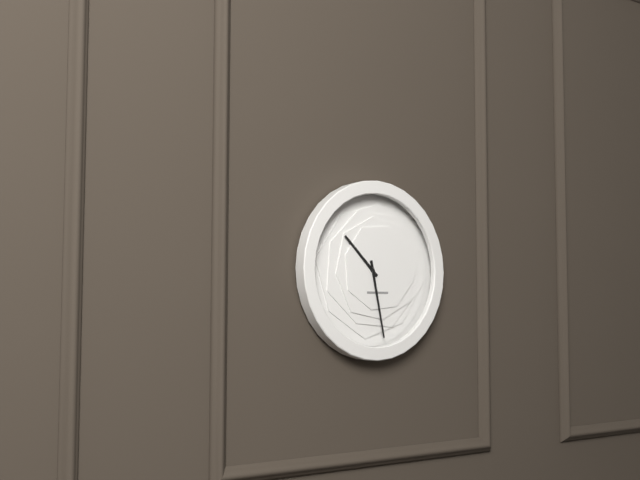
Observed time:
h=10 m=28
